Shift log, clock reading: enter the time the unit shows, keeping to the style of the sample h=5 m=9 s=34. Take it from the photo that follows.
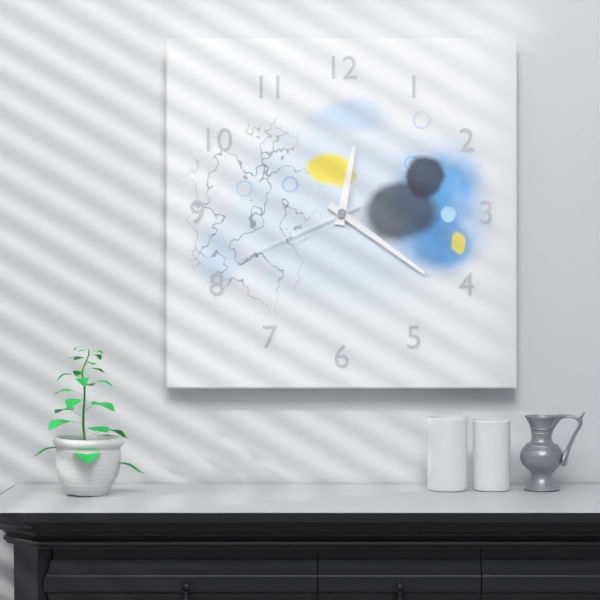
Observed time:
h=12 m=21 s=41
